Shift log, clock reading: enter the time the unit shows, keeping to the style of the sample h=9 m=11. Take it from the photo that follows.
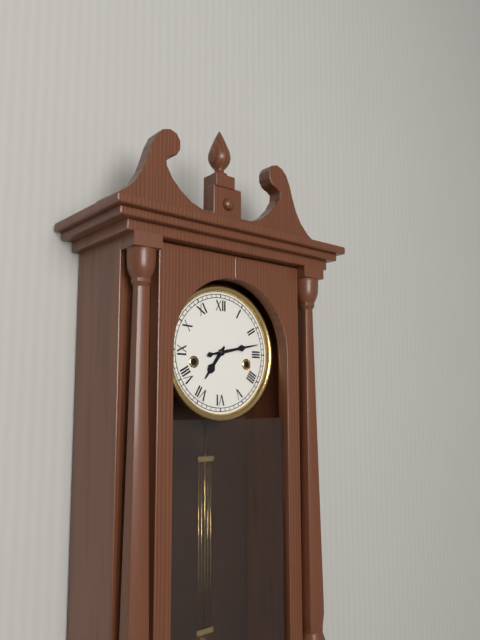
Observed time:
h=7 m=13
